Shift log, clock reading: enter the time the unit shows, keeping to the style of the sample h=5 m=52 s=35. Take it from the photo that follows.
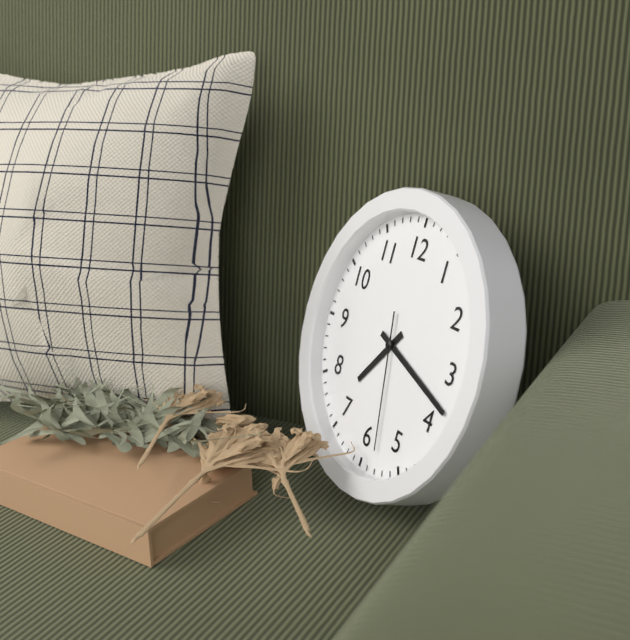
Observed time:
h=7 m=18 s=28
